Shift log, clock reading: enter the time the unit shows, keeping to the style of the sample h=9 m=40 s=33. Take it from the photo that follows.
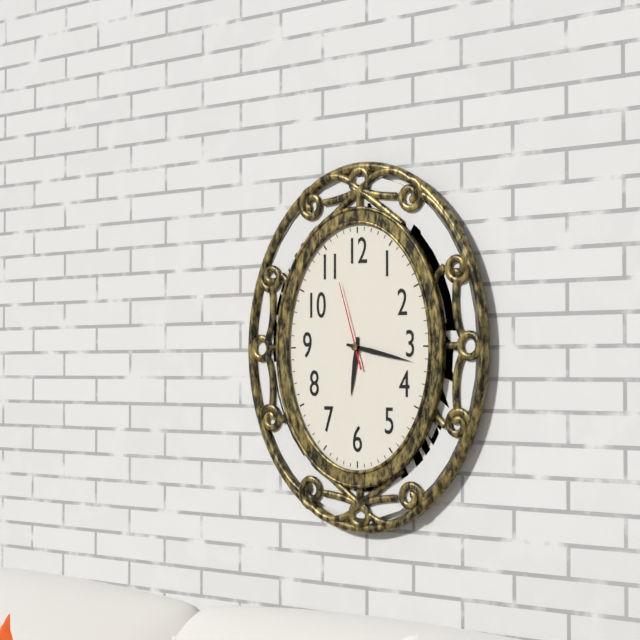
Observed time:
h=6 m=17 s=57
